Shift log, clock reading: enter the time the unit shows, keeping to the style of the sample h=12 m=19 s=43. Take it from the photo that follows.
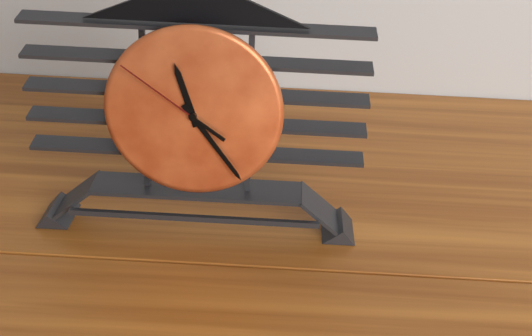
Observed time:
h=11 m=24 s=51
